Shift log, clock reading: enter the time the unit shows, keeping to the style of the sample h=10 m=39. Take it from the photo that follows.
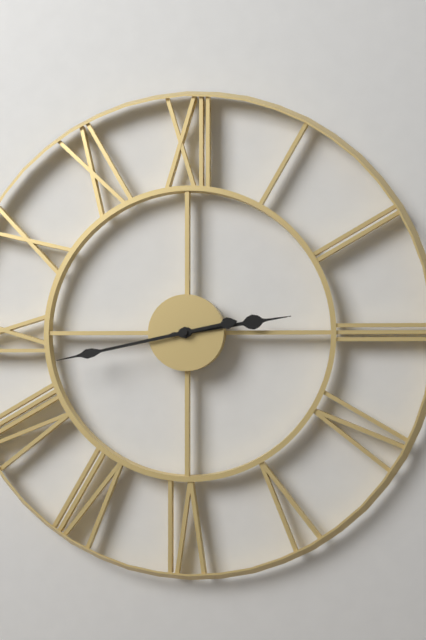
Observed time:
h=2 m=43
